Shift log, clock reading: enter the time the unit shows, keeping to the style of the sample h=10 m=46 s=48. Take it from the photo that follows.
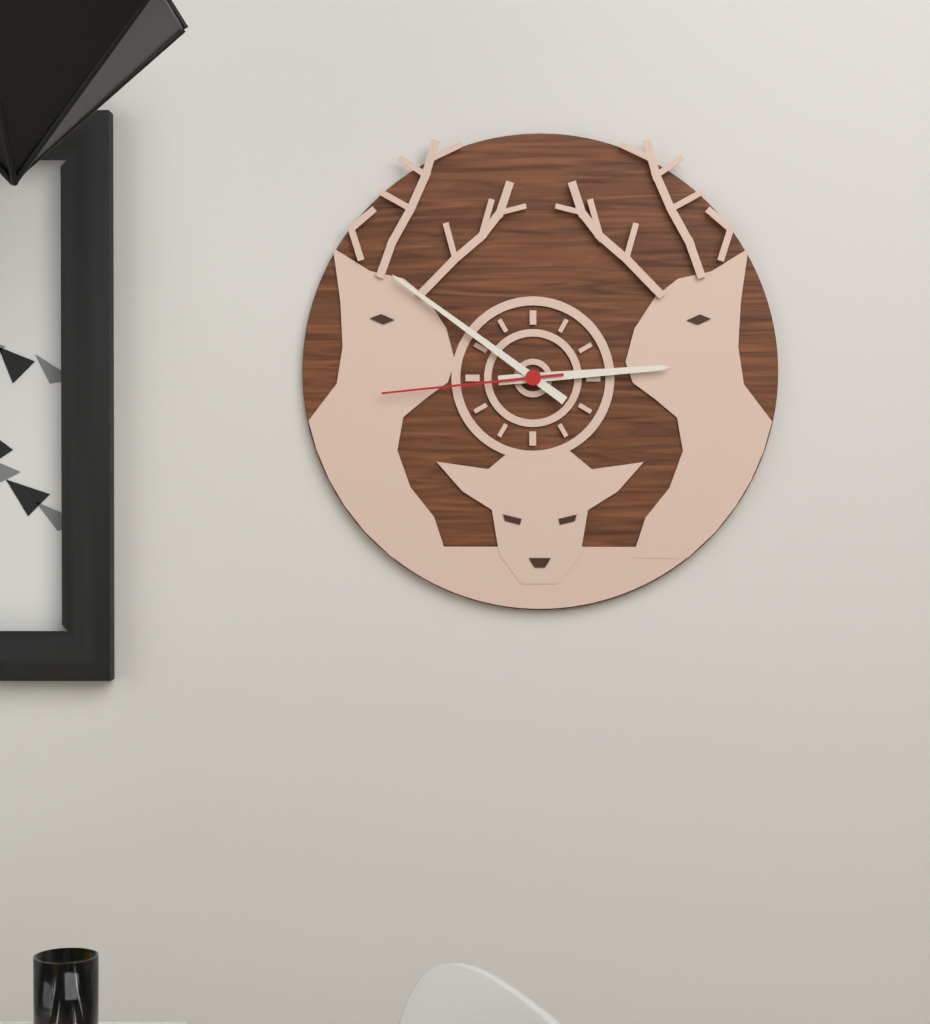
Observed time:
h=2 m=51 s=44
